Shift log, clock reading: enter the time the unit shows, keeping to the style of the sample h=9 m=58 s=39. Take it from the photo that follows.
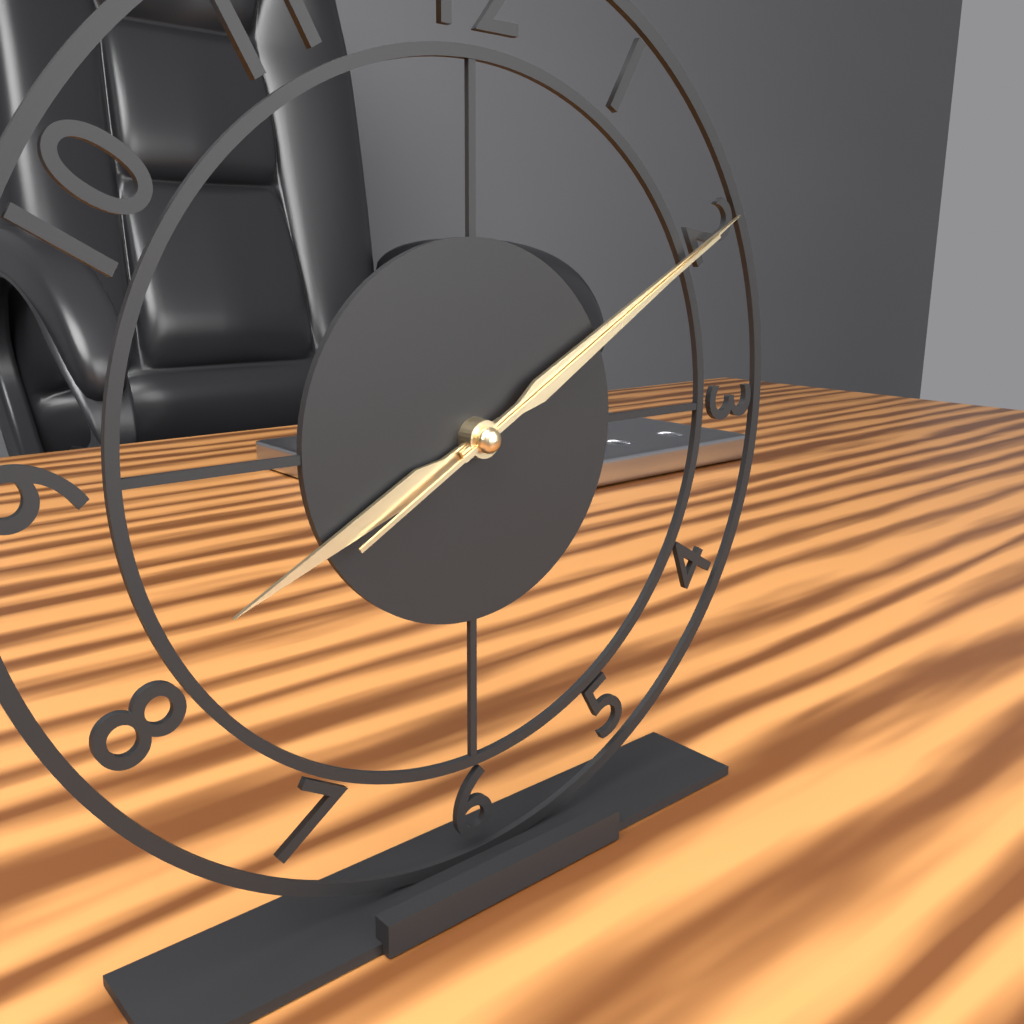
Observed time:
h=8 m=10 s=10
